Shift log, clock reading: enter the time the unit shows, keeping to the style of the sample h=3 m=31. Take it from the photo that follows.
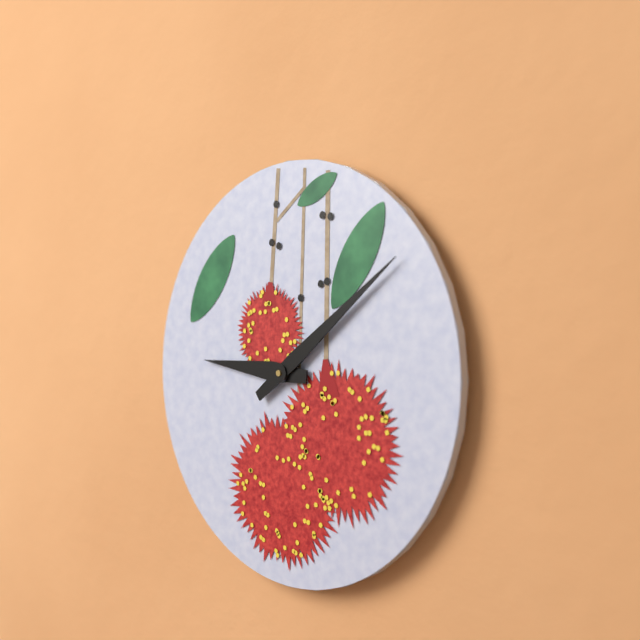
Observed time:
h=9 m=9
